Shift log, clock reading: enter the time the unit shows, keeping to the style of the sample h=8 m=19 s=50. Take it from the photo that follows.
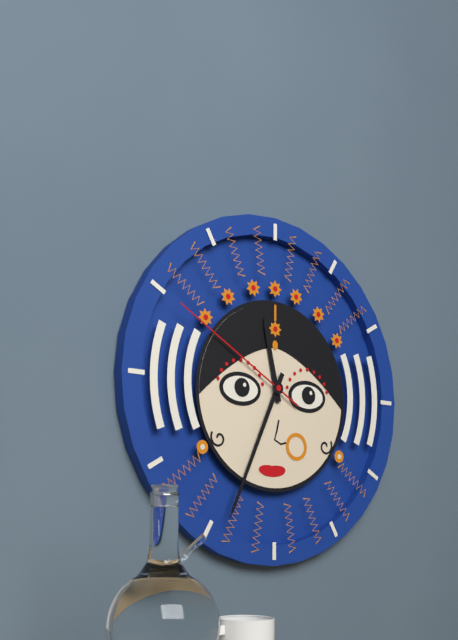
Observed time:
h=11 m=34 s=50
